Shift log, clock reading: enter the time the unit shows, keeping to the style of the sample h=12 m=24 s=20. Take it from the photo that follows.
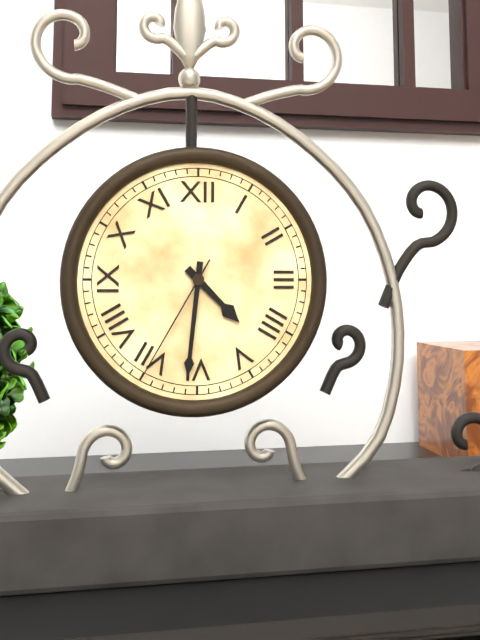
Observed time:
h=4 m=31 s=35
